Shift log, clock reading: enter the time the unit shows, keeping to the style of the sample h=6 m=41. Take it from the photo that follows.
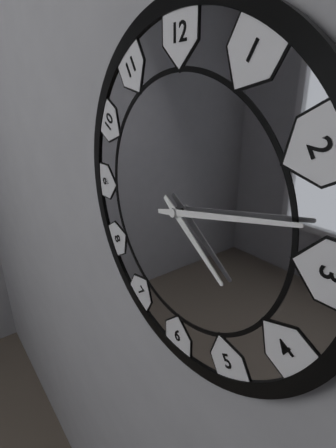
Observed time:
h=4 m=13
